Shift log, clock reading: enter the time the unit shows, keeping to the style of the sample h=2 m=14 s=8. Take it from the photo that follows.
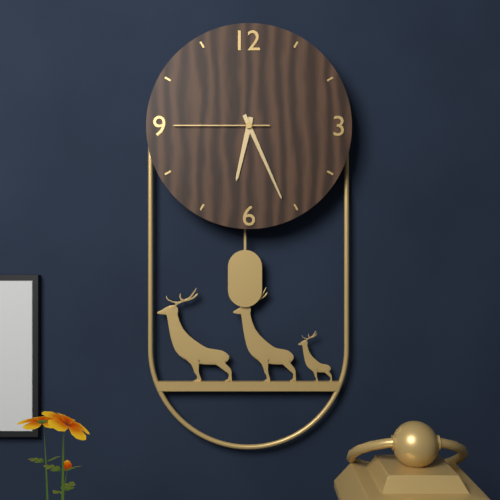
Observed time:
h=6 m=26 s=45
